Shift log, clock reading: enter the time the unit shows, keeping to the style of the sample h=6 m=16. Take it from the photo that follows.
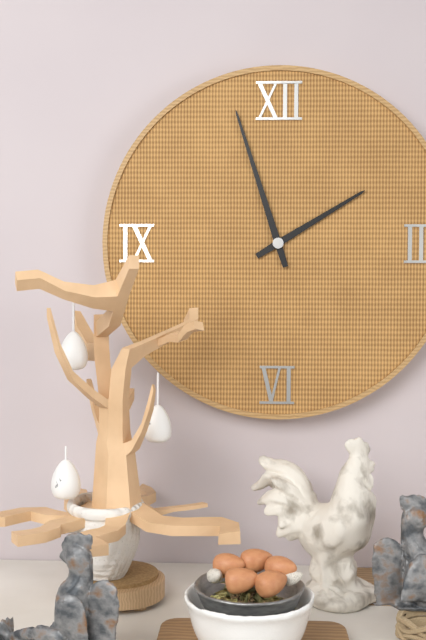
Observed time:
h=1 m=57
